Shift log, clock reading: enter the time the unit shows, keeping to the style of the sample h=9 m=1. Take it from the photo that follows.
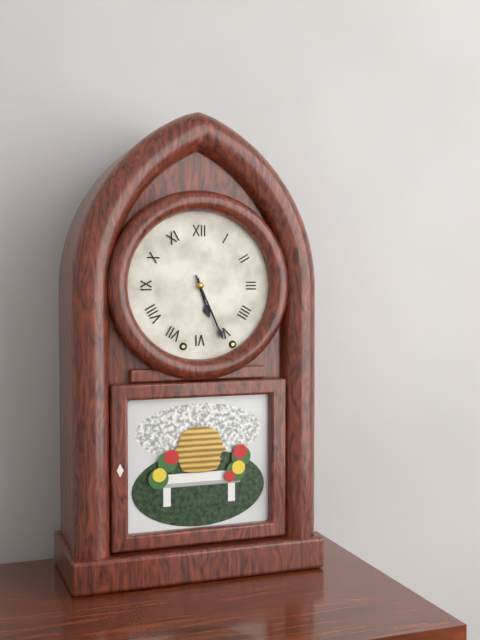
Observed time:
h=5 m=26
